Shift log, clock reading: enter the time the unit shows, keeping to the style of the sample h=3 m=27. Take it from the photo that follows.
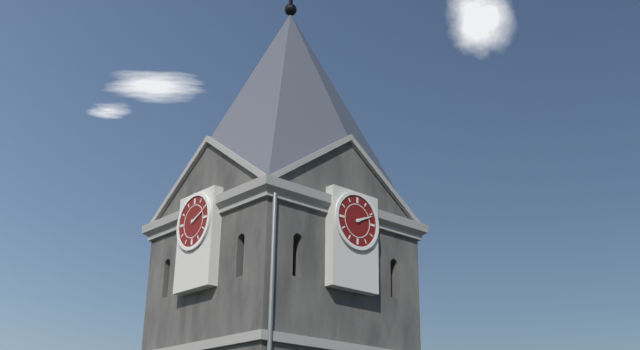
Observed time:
h=2 m=11
